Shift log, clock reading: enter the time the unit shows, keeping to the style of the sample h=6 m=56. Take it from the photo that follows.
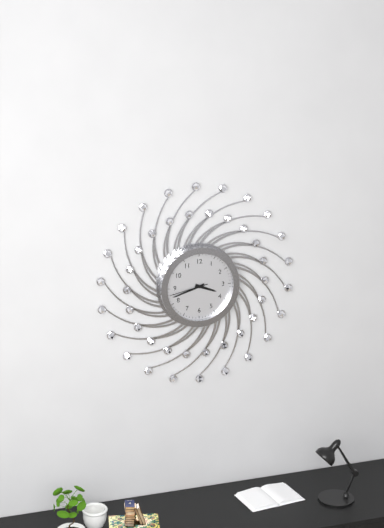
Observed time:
h=3 m=42
